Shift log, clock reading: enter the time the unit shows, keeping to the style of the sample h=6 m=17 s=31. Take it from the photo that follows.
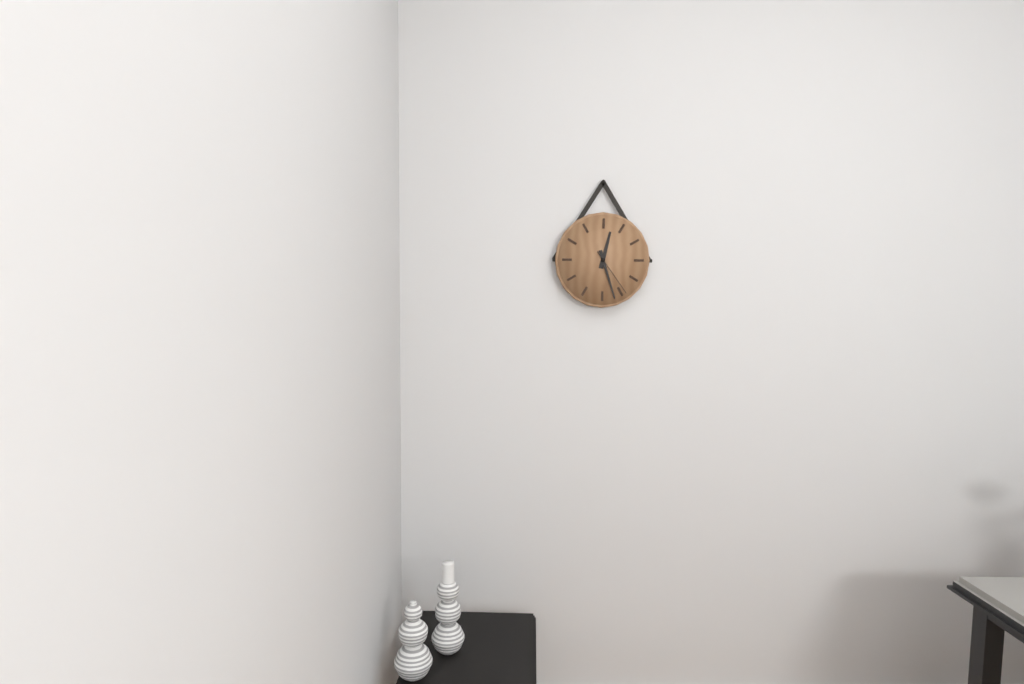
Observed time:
h=12 m=27 s=24
